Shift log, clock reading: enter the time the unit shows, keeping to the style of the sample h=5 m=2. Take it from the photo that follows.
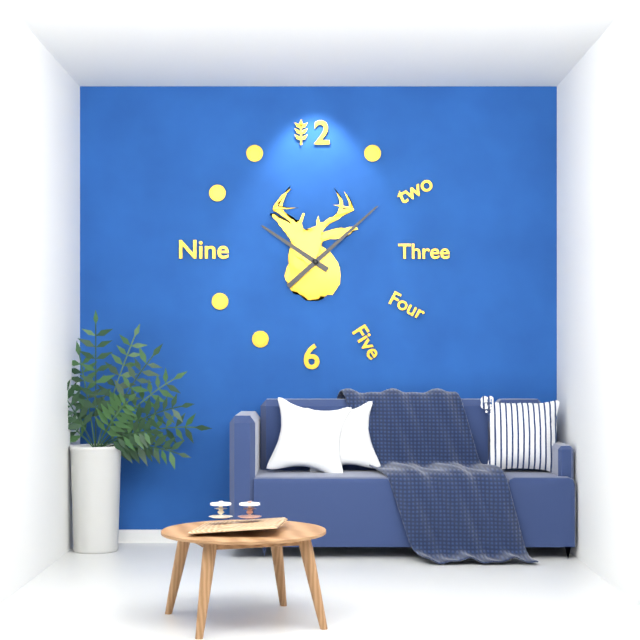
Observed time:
h=10 m=8
